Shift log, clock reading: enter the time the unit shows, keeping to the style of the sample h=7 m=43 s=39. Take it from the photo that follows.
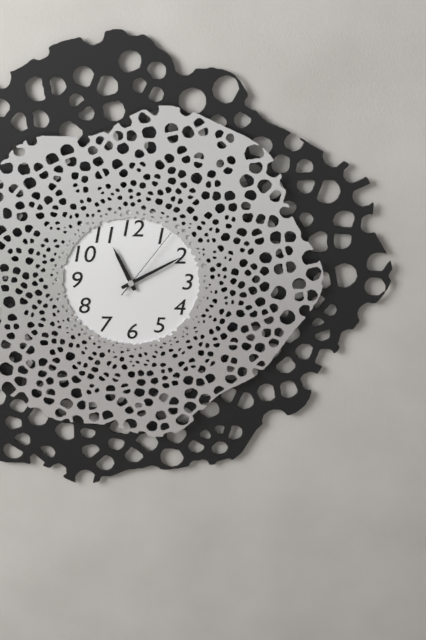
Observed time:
h=11 m=10 s=6
